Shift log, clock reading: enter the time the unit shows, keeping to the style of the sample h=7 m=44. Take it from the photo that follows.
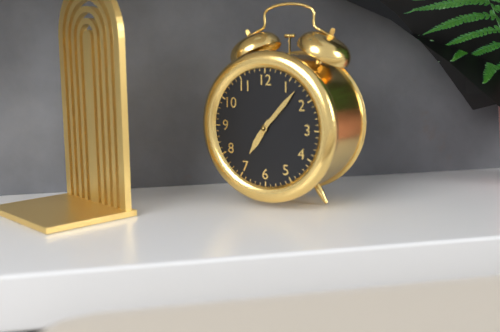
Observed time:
h=7 m=7
